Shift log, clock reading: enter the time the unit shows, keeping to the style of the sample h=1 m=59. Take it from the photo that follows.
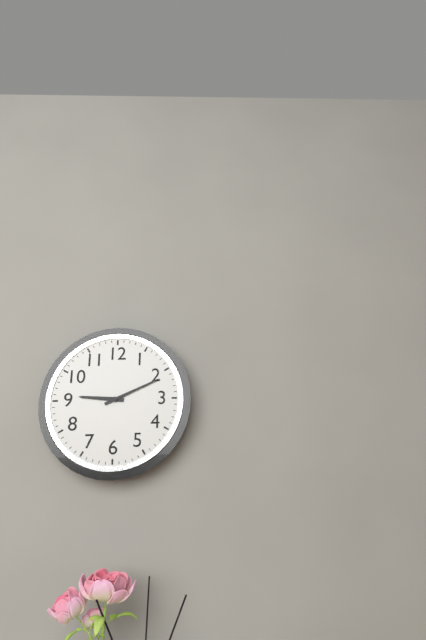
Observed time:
h=9 m=11
